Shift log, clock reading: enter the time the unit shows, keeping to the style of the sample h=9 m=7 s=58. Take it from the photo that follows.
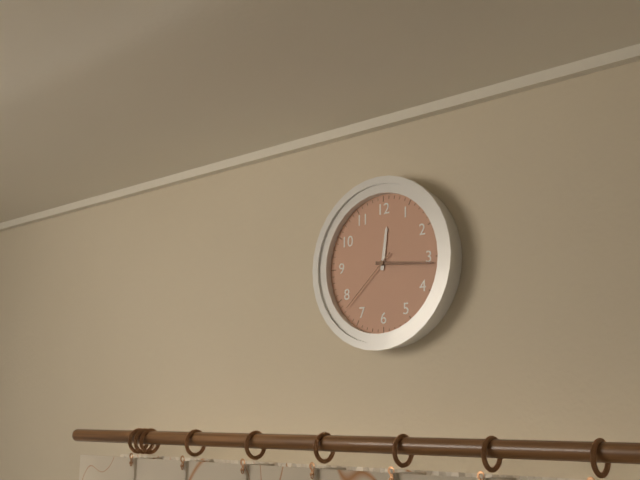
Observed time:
h=12 m=16 s=38
